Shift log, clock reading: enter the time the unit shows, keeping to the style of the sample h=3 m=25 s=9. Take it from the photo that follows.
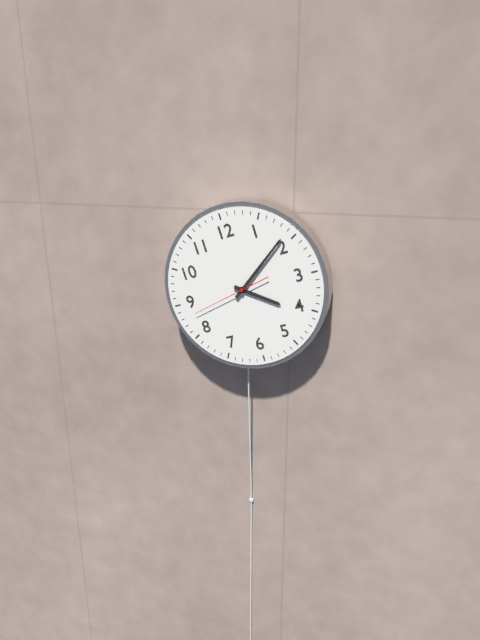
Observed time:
h=4 m=9 s=43
